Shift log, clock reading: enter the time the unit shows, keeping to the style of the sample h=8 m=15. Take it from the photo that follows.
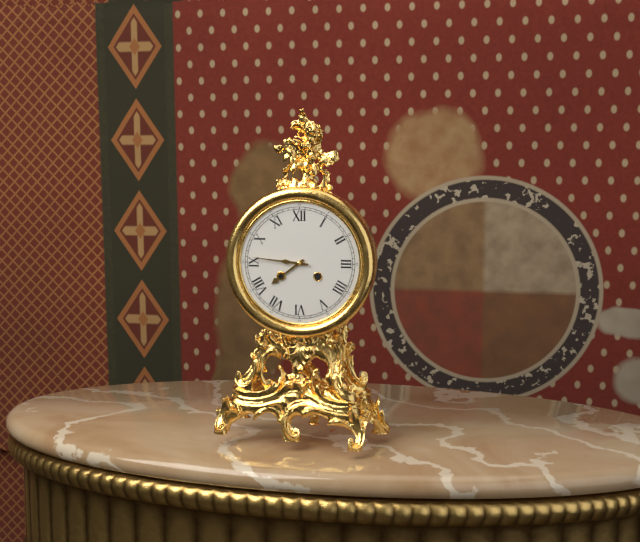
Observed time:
h=7 m=46
